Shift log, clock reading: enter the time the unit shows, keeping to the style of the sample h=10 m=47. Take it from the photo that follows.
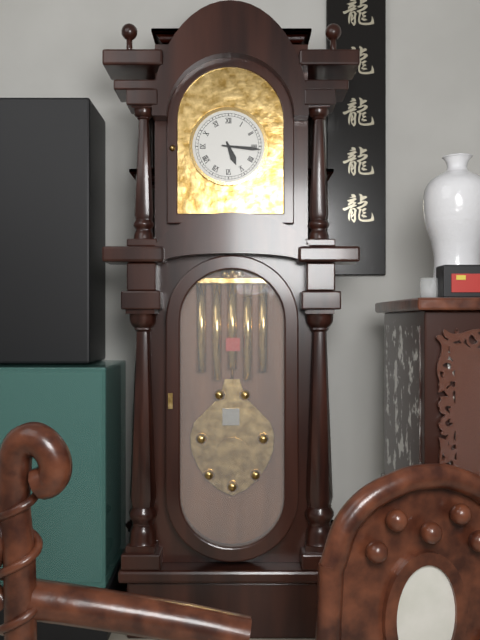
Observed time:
h=5 m=16
